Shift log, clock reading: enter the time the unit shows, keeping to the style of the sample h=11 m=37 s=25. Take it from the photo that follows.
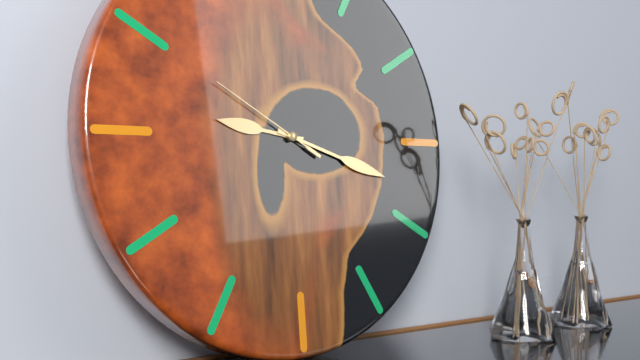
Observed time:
h=9 m=18 s=50
